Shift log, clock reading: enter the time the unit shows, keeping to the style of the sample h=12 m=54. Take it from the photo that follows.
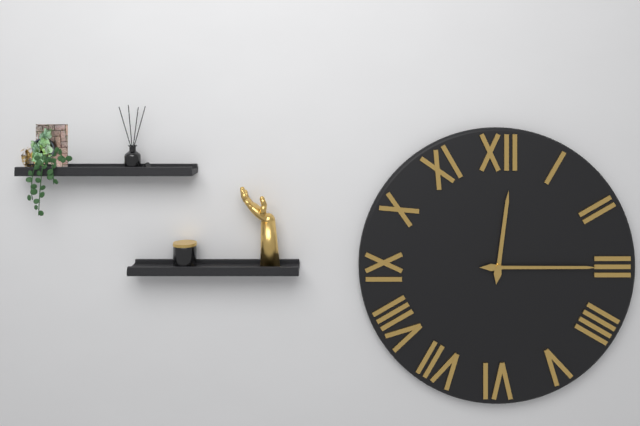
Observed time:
h=12 m=15
